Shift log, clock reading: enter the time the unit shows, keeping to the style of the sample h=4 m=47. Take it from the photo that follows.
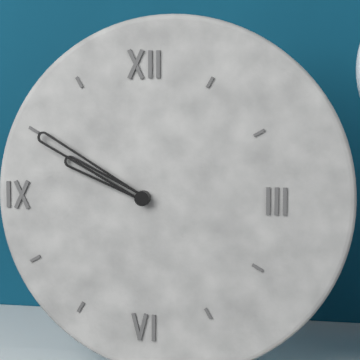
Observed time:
h=9 m=50
